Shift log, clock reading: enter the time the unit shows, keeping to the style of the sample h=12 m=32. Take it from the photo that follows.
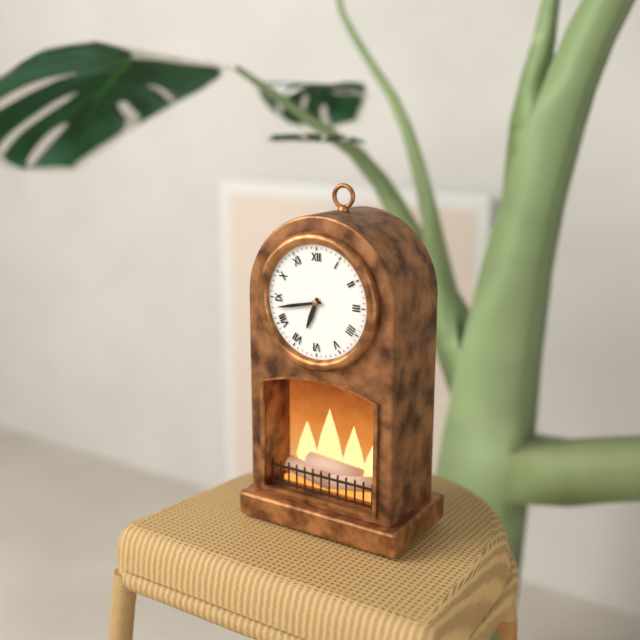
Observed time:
h=6 m=43
